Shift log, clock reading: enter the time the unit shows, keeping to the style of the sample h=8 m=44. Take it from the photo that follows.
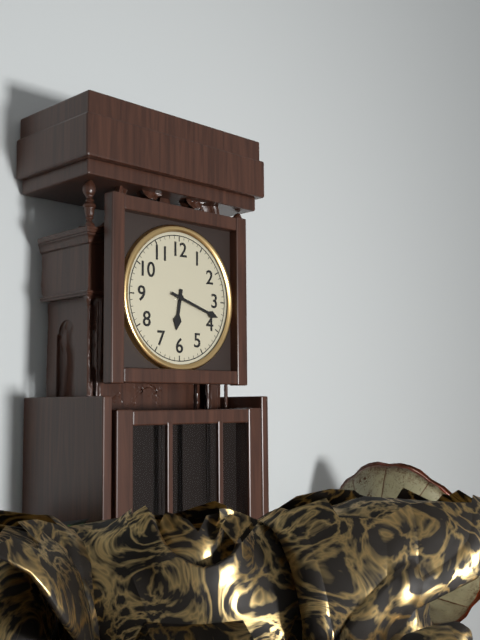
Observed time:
h=6 m=18
